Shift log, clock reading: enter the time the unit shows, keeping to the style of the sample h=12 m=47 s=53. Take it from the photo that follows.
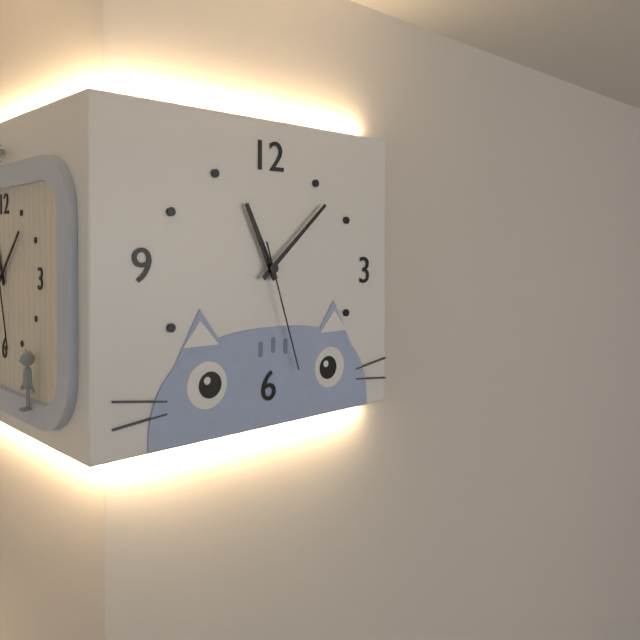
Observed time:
h=11 m=8 s=27
